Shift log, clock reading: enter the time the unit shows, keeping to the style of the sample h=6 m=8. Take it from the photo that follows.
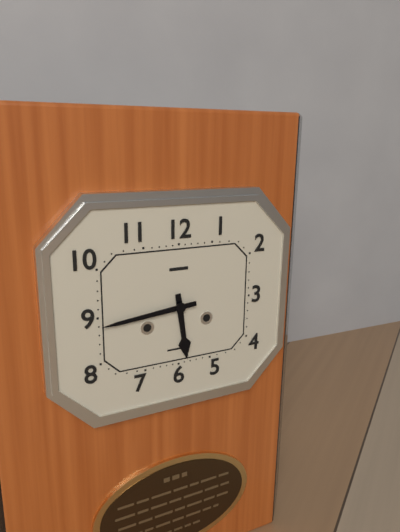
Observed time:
h=5 m=44
